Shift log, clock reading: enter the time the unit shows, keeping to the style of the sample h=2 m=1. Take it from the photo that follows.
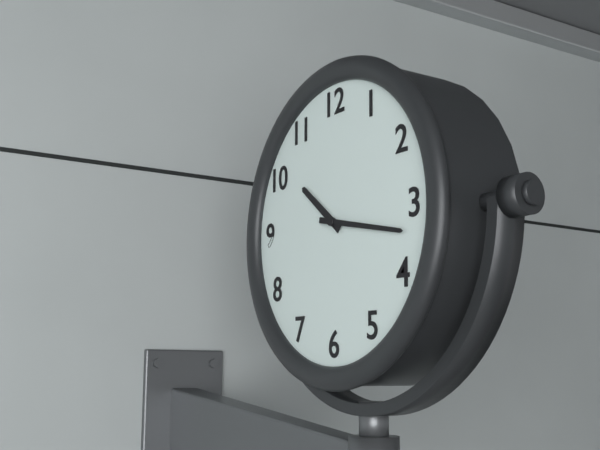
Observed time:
h=10 m=17
